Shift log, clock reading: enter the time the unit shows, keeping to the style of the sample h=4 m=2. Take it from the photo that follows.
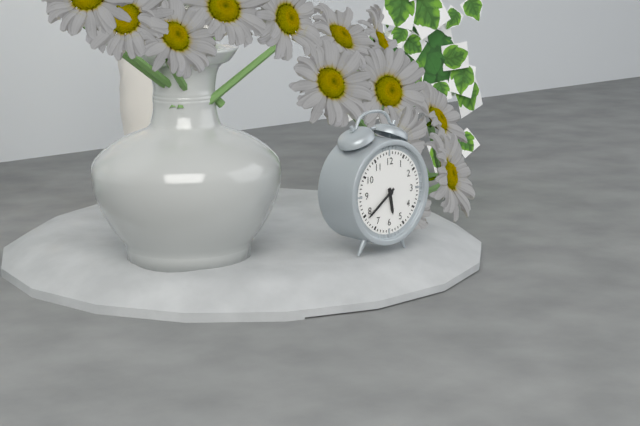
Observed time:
h=5 m=39
